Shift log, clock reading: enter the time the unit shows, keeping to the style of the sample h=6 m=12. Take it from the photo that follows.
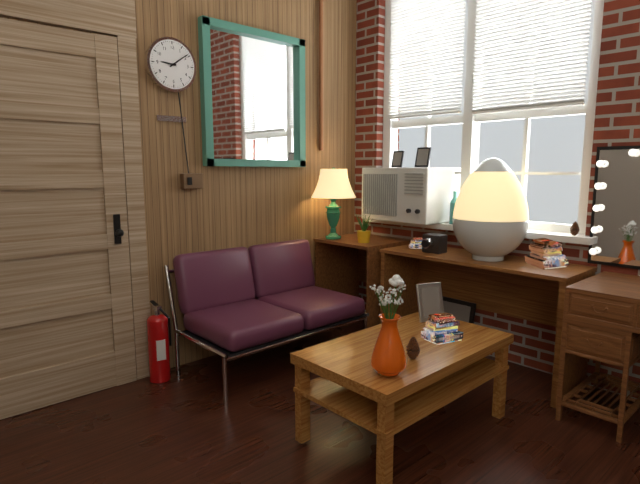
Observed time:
h=9 m=9
